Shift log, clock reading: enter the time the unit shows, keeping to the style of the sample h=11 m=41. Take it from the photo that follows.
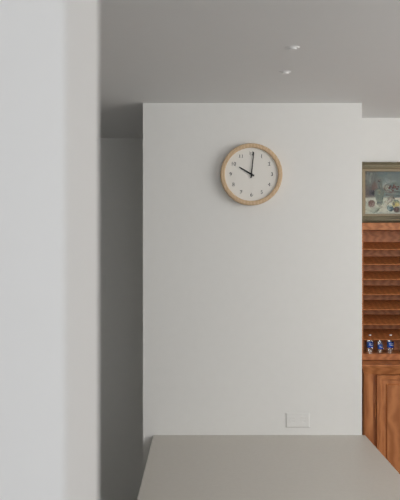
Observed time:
h=10 m=1
